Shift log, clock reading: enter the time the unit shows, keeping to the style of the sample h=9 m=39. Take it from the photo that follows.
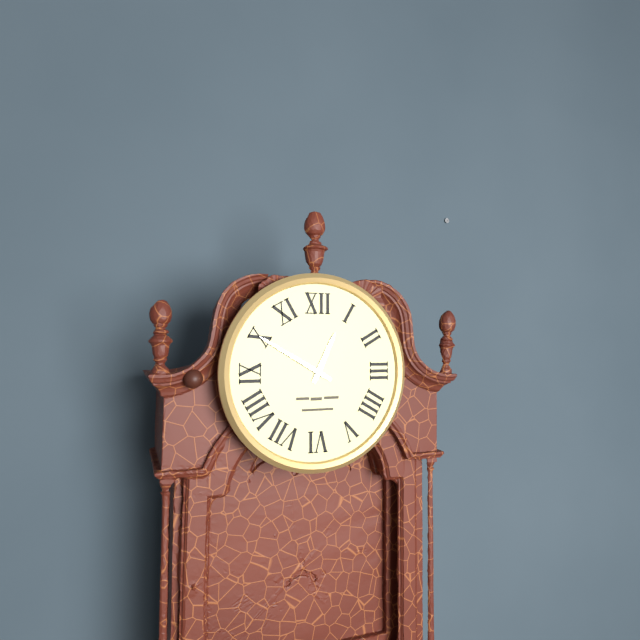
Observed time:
h=12 m=50
